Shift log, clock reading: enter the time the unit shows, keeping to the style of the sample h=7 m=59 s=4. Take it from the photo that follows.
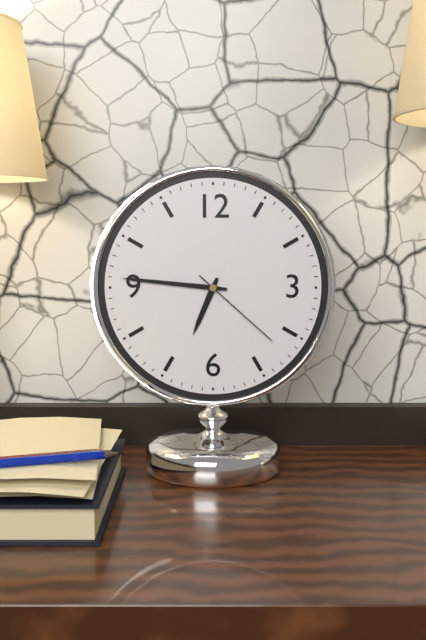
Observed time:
h=6 m=46 s=22
